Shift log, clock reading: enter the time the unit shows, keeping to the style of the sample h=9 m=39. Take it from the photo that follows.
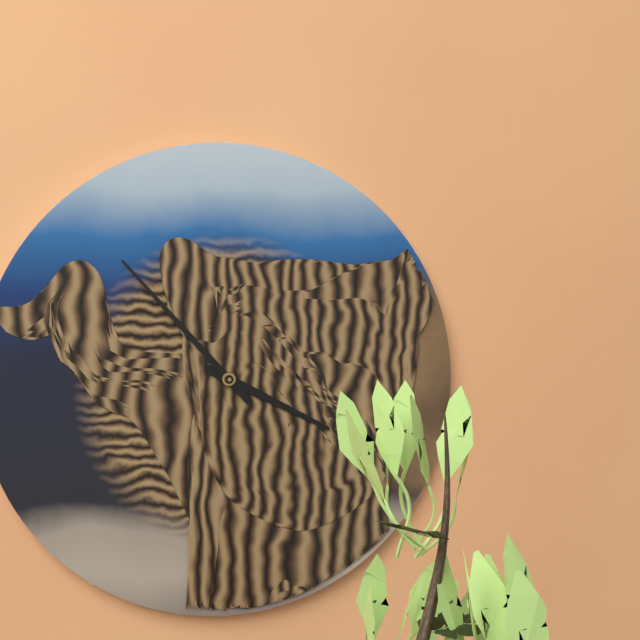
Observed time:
h=3 m=53
